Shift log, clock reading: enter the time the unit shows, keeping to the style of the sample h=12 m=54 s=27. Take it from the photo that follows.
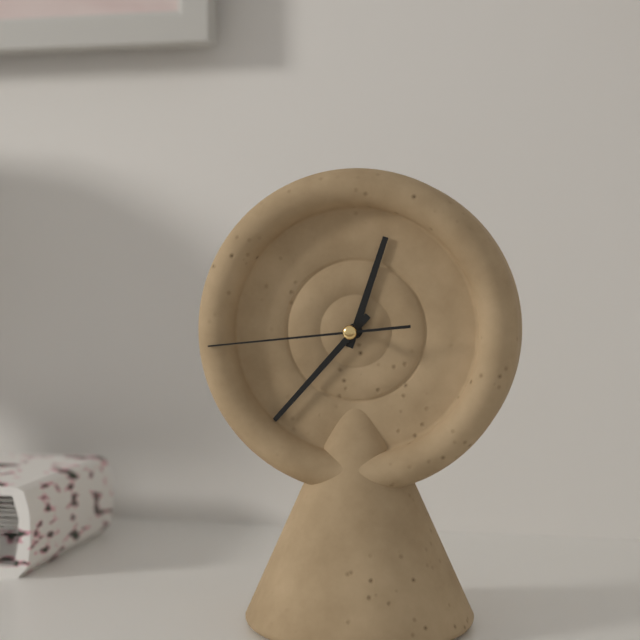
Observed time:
h=12 m=37 s=44
